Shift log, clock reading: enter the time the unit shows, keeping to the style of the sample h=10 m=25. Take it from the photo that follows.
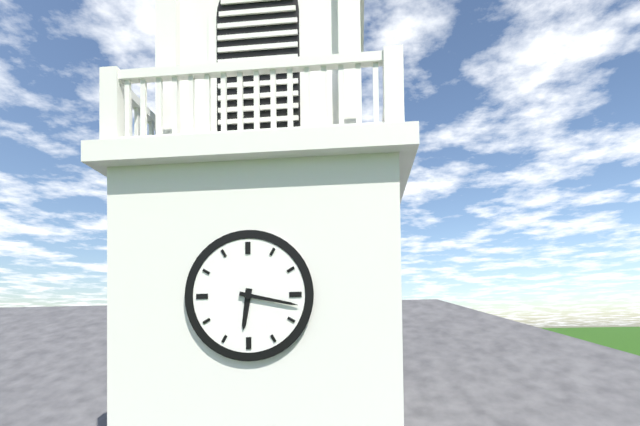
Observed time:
h=6 m=17
